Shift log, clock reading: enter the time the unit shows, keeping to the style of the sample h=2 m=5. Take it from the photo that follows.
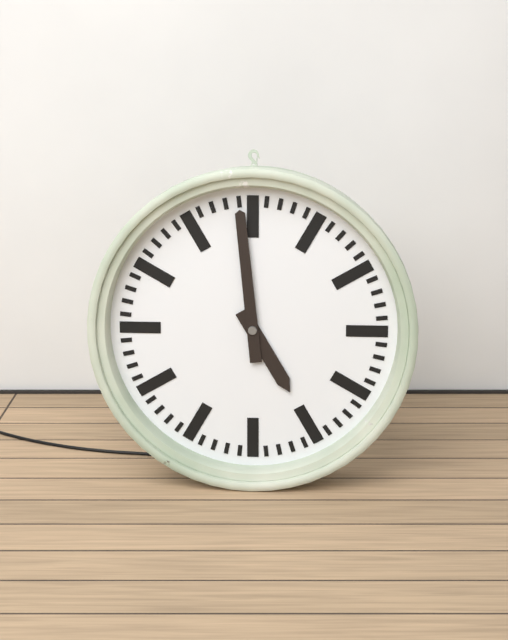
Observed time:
h=4 m=59
